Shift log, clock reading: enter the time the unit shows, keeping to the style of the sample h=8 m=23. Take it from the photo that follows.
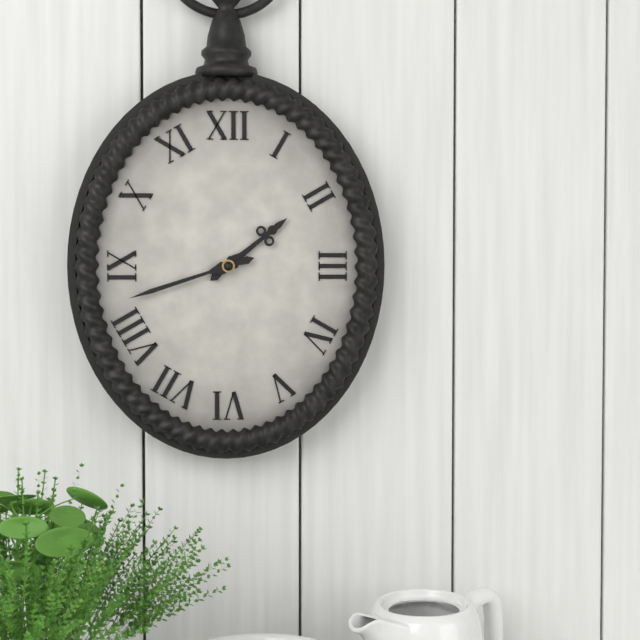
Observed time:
h=1 m=42
